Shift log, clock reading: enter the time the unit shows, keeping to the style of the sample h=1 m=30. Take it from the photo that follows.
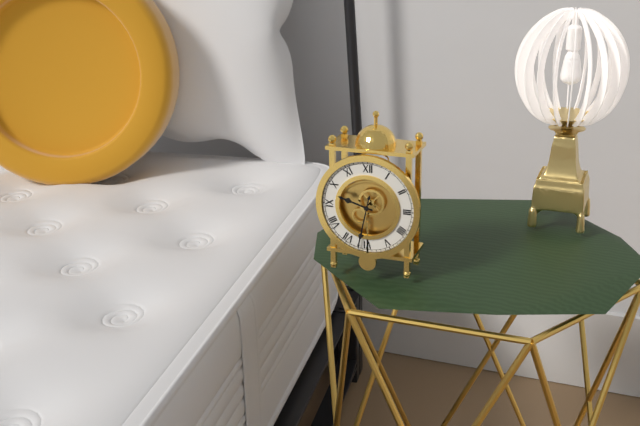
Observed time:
h=9 m=32
